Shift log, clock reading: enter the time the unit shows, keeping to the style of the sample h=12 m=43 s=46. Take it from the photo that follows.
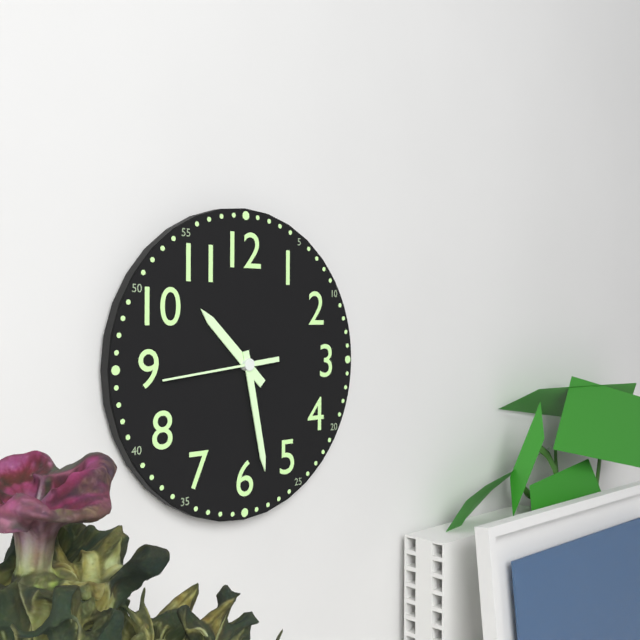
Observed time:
h=10 m=28 s=44
